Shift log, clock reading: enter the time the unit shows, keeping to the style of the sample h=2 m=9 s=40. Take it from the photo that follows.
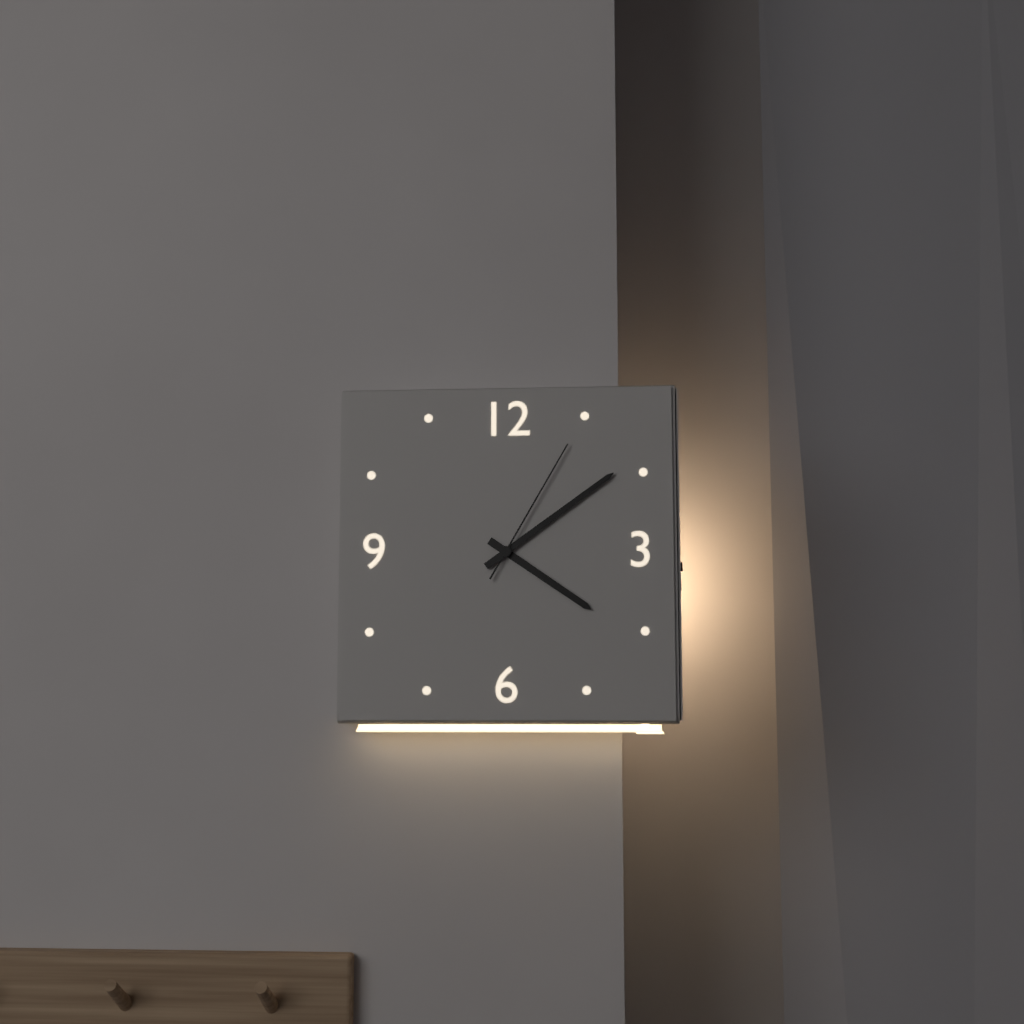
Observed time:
h=4 m=9 s=5
